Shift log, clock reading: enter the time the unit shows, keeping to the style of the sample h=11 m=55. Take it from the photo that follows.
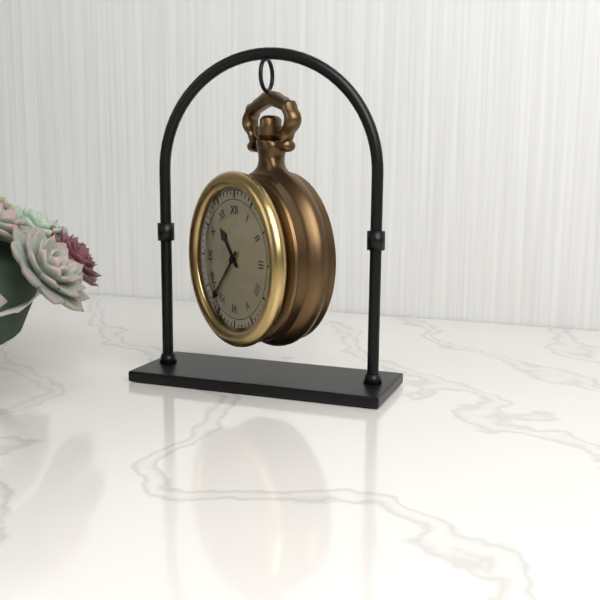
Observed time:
h=10 m=37
